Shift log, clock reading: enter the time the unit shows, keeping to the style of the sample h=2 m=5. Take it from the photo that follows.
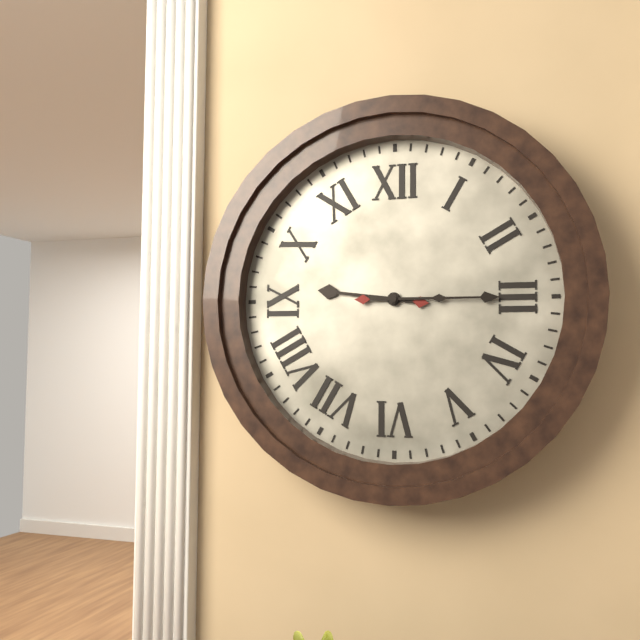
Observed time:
h=9 m=15
